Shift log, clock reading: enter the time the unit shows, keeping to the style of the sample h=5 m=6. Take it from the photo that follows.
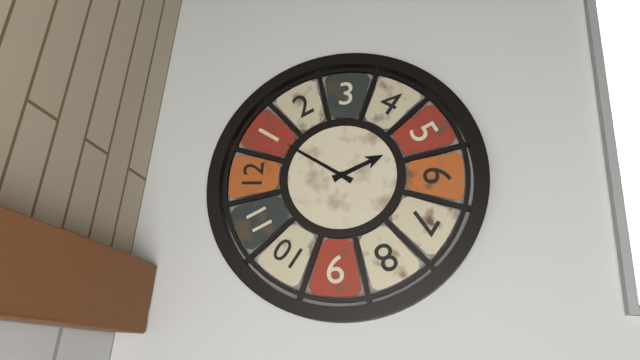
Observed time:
h=5 m=5
